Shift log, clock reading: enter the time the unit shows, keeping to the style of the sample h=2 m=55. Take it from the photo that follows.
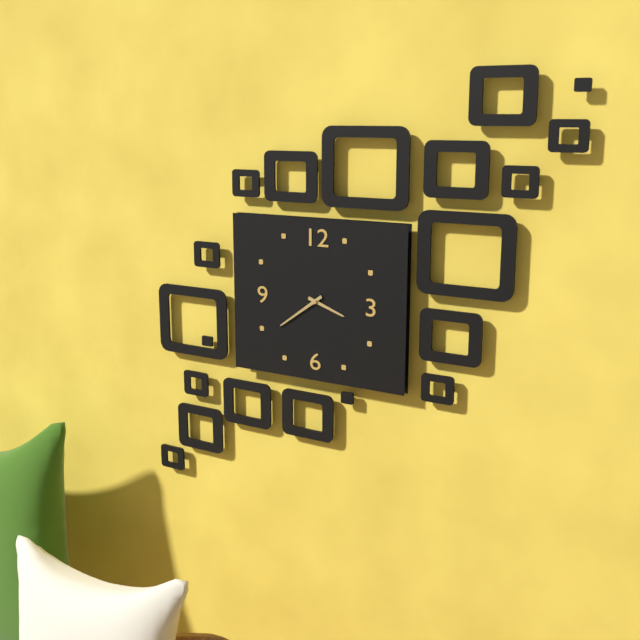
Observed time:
h=3 m=39
